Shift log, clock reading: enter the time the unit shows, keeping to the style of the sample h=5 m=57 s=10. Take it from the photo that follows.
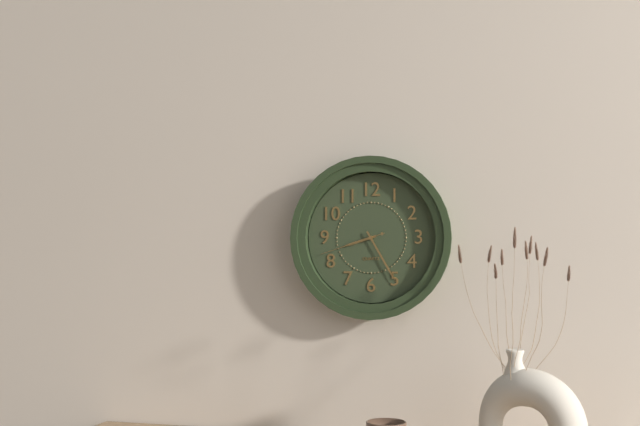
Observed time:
h=8 m=25 s=42
